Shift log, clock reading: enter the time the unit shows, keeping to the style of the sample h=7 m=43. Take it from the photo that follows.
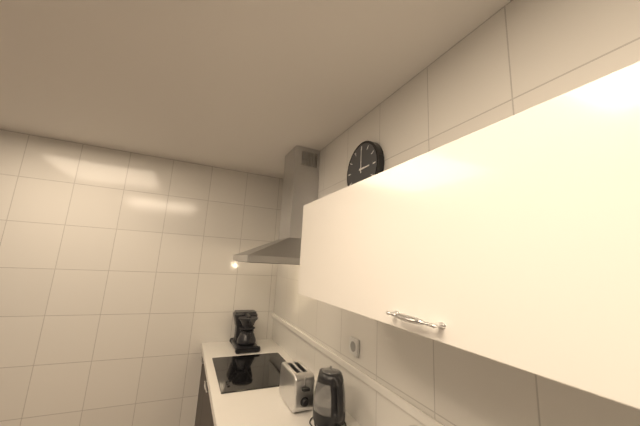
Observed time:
h=3 m=0
